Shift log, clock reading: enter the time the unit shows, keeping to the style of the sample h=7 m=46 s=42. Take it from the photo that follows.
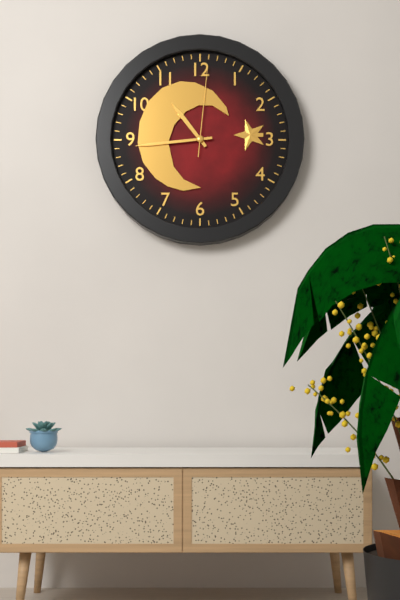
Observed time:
h=10 m=44 s=1
